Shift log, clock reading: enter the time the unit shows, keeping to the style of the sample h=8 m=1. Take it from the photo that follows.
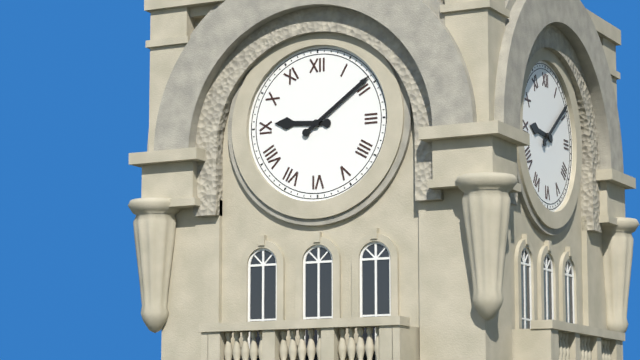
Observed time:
h=9 m=9
